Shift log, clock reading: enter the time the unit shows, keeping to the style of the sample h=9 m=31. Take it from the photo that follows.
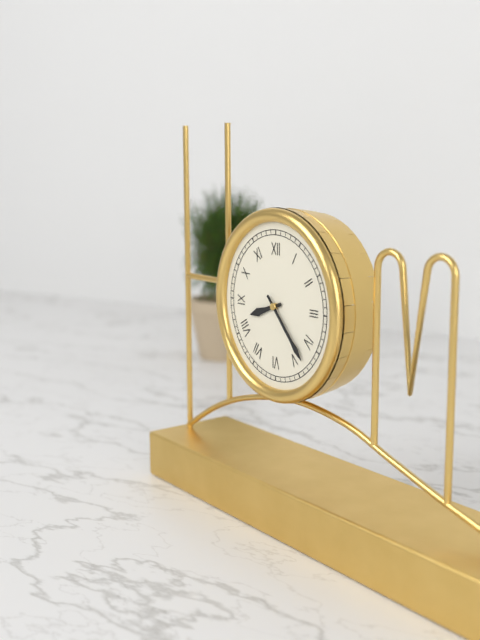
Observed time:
h=8 m=23
